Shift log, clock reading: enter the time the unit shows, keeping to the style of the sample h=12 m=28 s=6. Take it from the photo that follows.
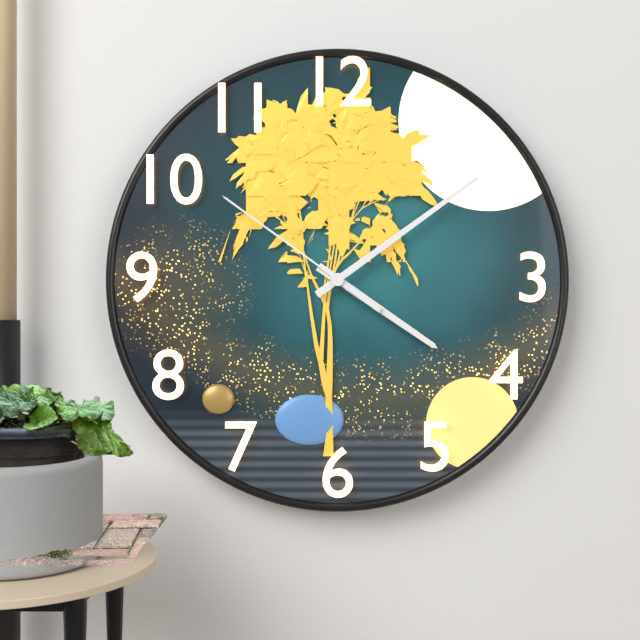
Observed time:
h=4 m=9 s=51
